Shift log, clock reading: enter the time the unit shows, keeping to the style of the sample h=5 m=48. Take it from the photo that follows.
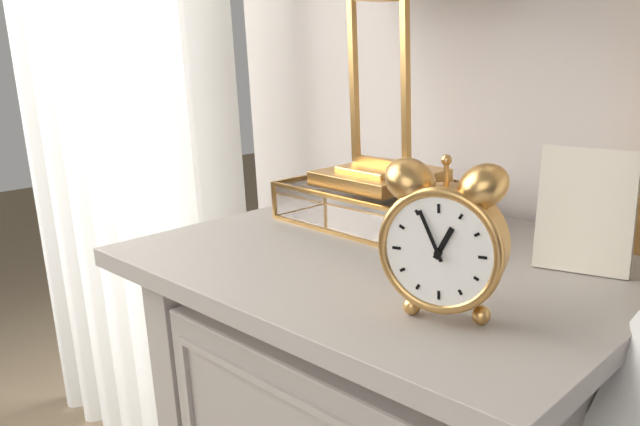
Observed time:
h=12 m=56
